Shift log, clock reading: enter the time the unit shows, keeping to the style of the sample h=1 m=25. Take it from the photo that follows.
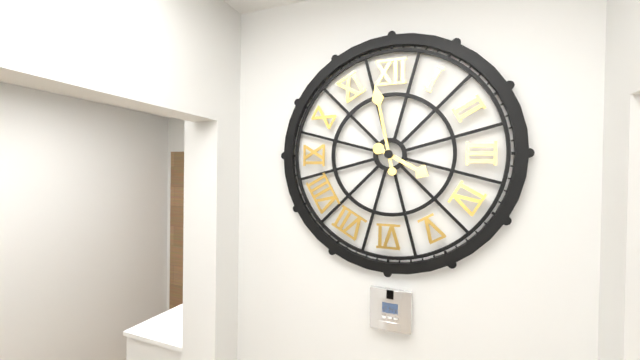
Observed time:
h=3 m=58
